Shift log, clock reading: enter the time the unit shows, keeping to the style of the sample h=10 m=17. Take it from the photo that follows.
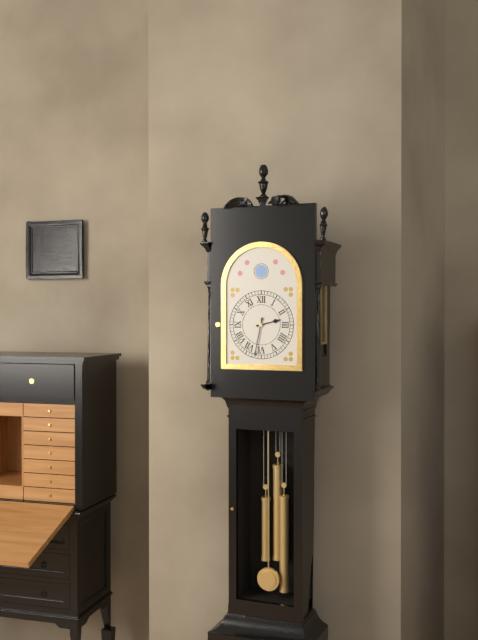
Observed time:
h=2 m=32
